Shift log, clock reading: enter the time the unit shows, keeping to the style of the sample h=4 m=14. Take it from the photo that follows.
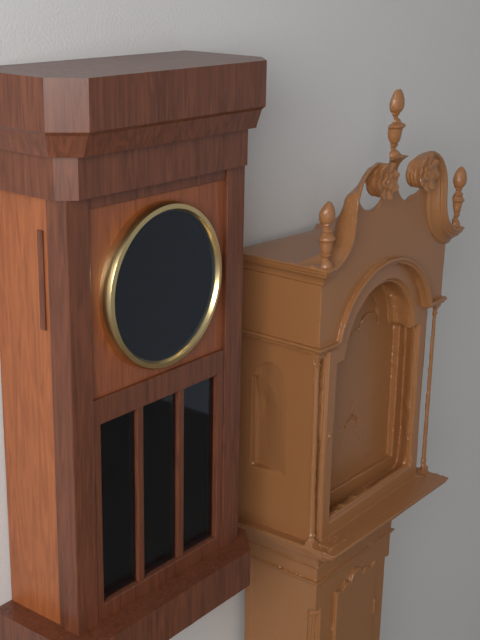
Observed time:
h=11 m=40
